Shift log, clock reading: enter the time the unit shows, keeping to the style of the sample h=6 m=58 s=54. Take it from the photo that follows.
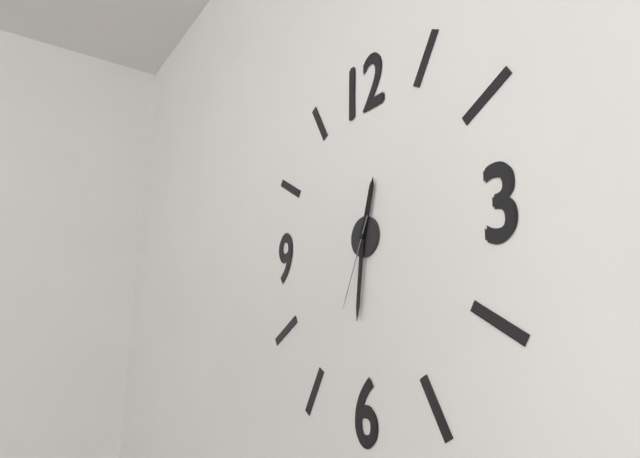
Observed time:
h=12 m=31 s=34
